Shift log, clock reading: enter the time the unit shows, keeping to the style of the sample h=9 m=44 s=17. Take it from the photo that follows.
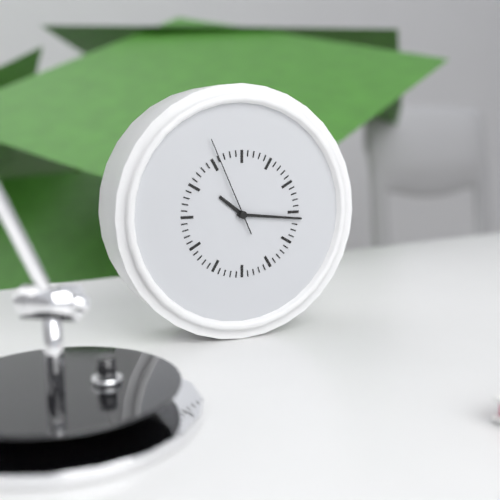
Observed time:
h=10 m=16 s=56
